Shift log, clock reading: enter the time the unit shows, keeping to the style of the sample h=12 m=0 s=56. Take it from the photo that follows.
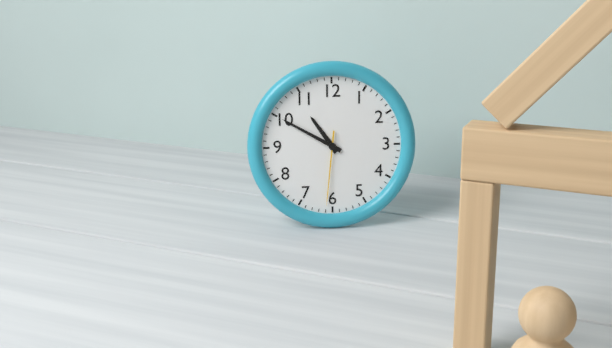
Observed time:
h=10 m=50 s=31
